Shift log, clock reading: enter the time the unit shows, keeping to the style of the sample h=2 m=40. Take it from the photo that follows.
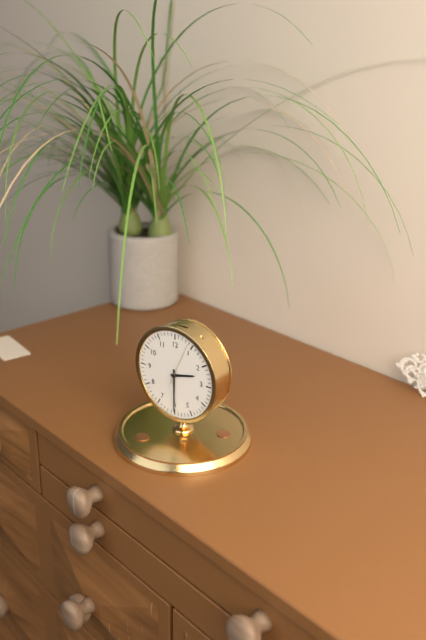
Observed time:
h=2 m=30
